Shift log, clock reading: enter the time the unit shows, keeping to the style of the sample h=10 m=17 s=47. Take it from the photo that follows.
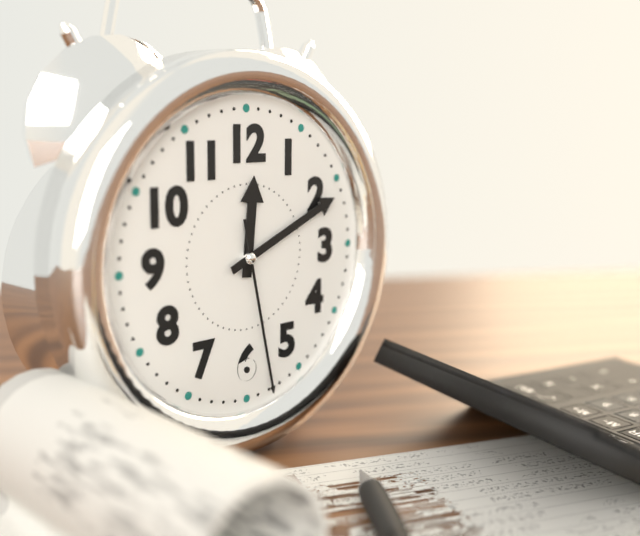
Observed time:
h=12 m=11 s=28
